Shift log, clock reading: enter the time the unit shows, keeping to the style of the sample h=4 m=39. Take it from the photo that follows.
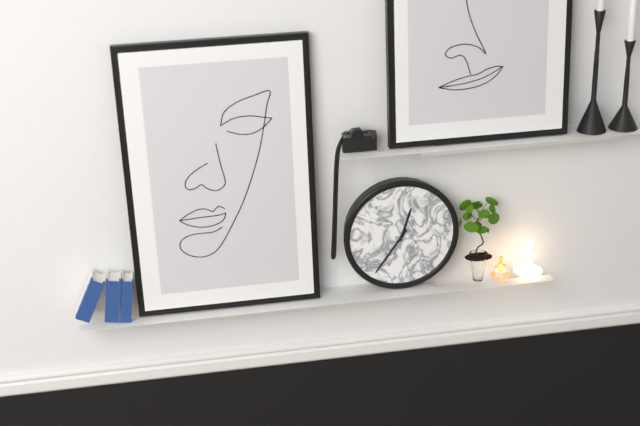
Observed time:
h=12 m=36
